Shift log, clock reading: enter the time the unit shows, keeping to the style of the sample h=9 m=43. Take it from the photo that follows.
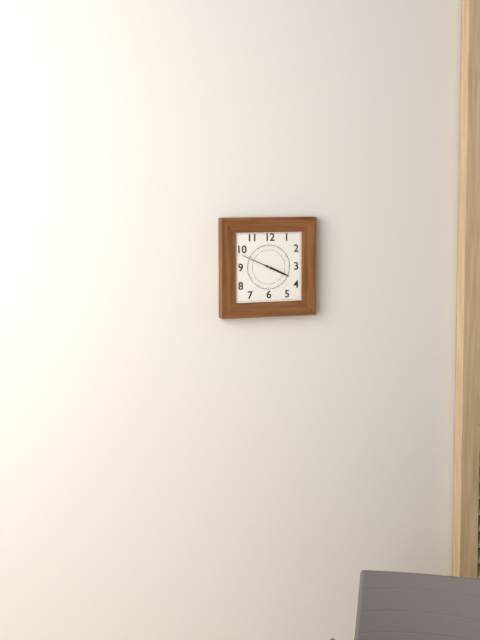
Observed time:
h=3 m=49
